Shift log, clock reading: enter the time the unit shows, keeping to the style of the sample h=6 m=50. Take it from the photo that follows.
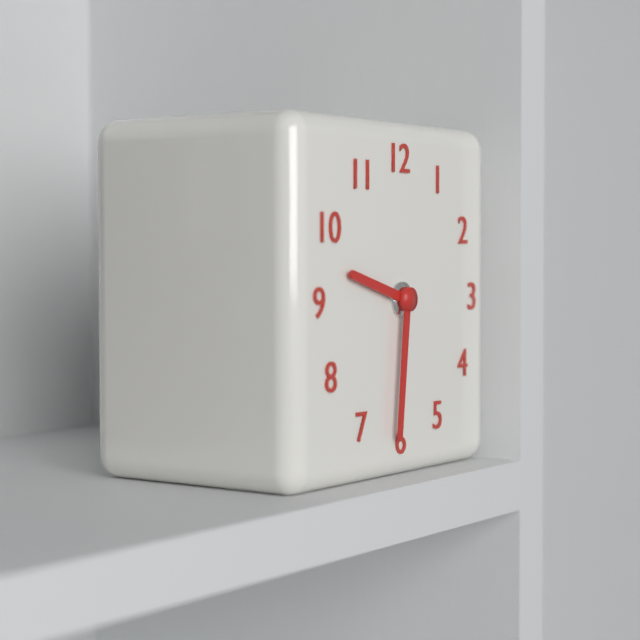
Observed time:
h=9 m=31
